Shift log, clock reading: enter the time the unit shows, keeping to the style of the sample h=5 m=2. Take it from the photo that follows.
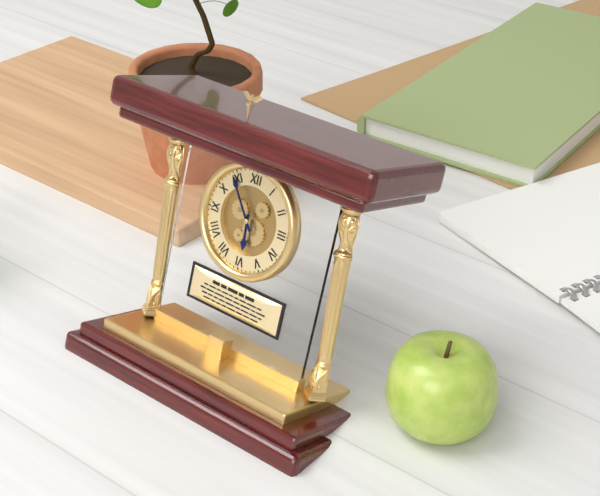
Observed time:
h=5 m=54
